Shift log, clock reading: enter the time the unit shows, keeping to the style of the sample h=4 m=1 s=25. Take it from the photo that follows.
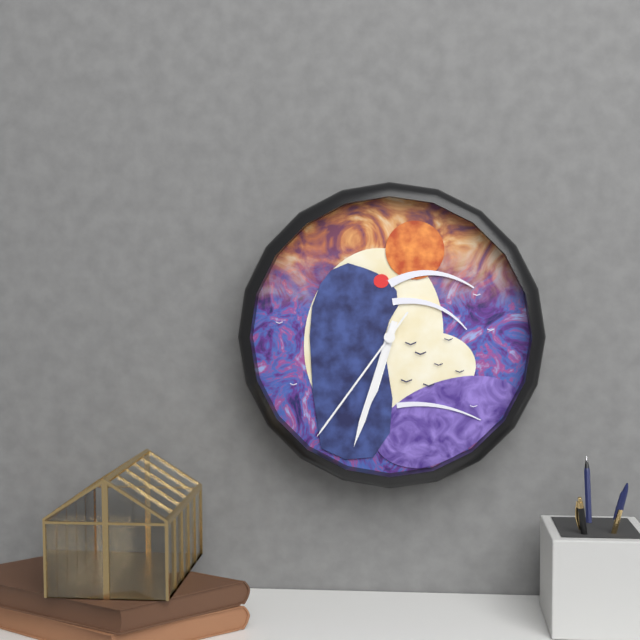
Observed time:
h=6 m=33 s=36
